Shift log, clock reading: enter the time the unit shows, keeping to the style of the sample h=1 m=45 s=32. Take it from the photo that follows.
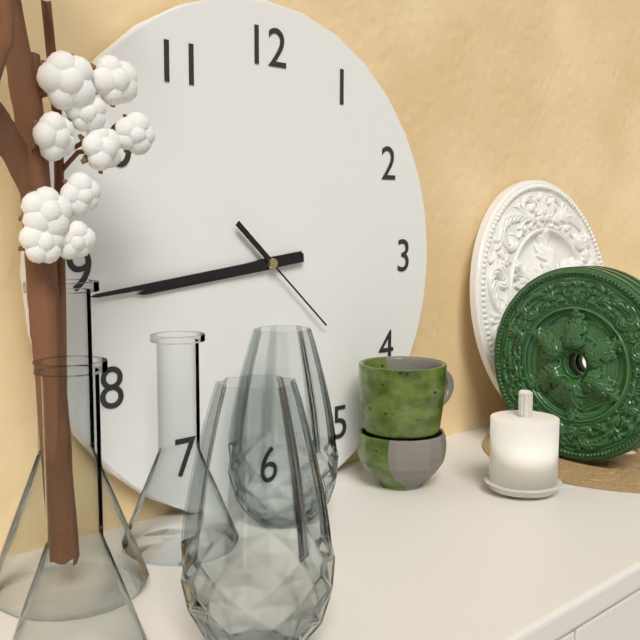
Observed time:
h=8 m=44 s=22
